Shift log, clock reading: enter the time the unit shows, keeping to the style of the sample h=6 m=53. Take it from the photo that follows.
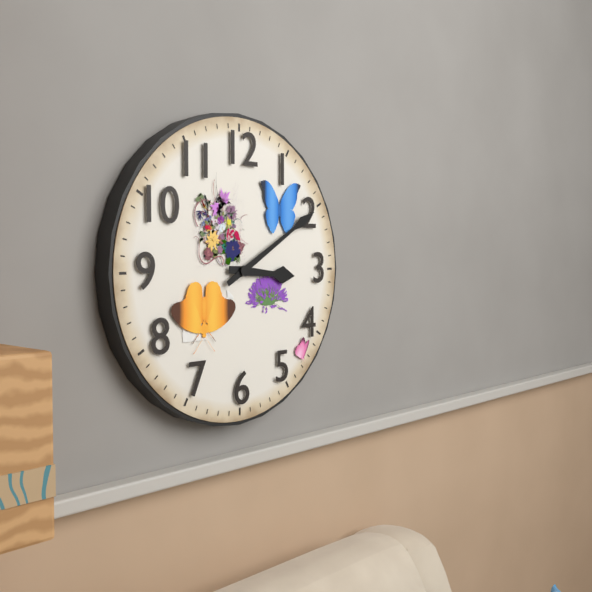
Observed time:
h=3 m=10
